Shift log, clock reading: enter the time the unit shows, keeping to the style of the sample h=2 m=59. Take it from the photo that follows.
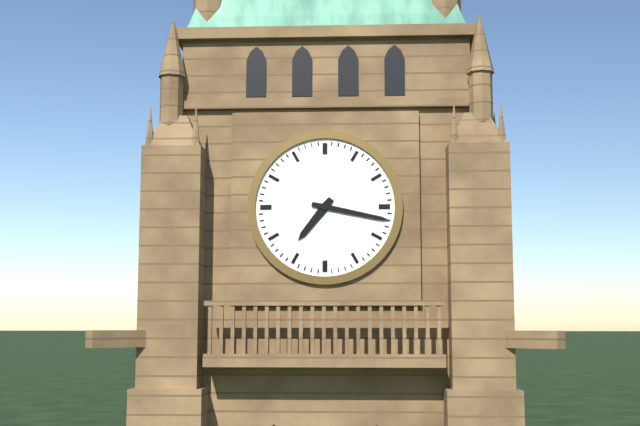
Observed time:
h=7 m=17
